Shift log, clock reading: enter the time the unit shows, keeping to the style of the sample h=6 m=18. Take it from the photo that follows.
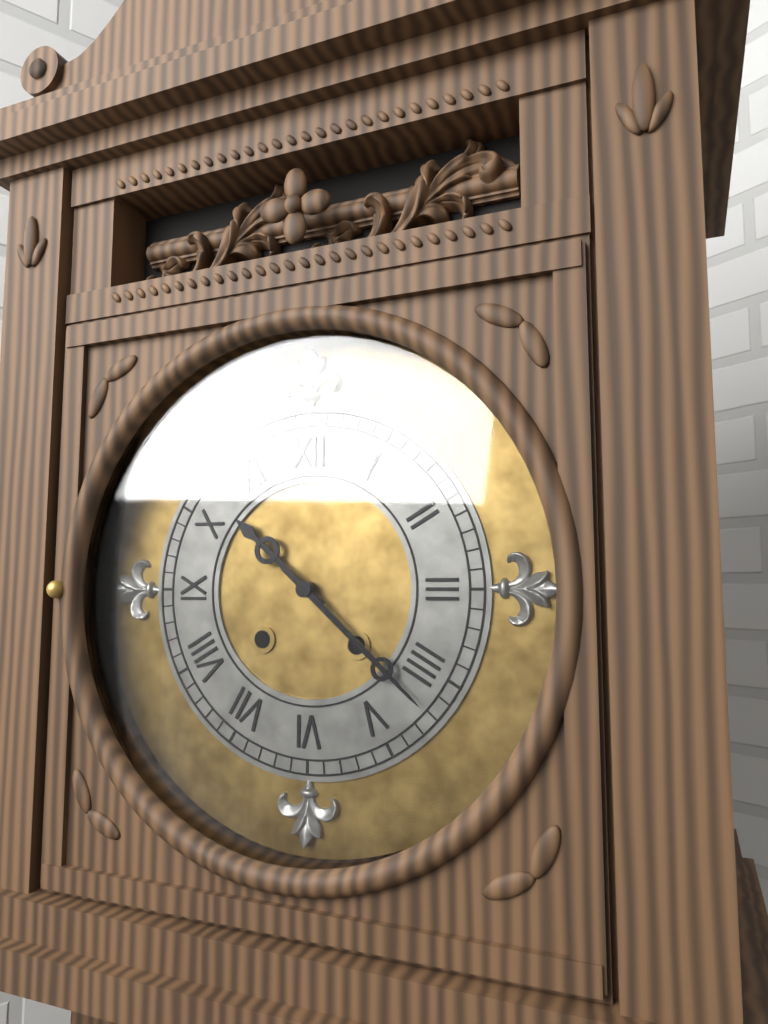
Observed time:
h=10 m=22
